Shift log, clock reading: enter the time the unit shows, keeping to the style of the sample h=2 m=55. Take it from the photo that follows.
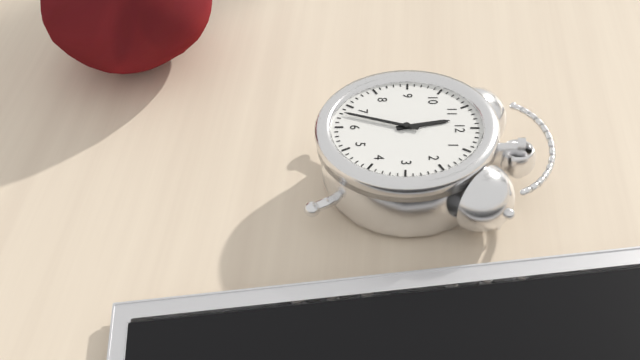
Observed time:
h=11 m=33
